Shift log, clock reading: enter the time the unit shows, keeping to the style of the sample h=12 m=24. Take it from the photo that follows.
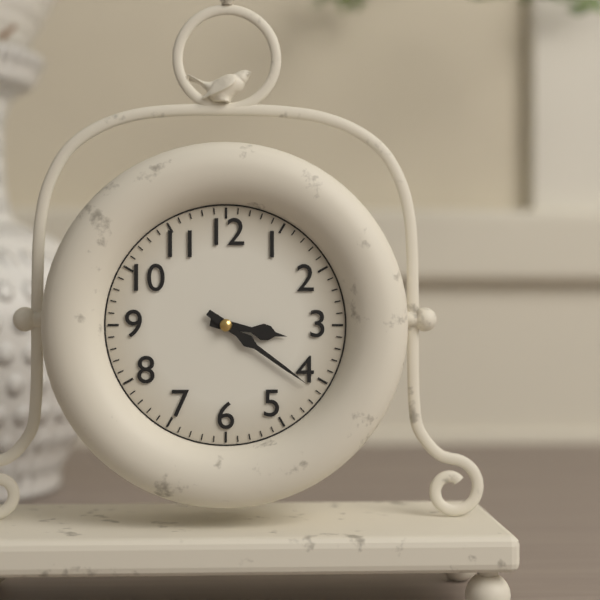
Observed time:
h=3 m=21
